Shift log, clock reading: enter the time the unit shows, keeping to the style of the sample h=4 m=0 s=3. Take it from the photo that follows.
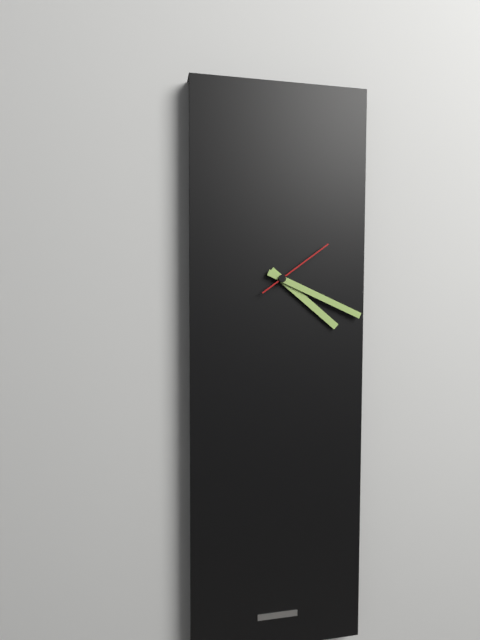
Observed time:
h=4 m=19 s=9
